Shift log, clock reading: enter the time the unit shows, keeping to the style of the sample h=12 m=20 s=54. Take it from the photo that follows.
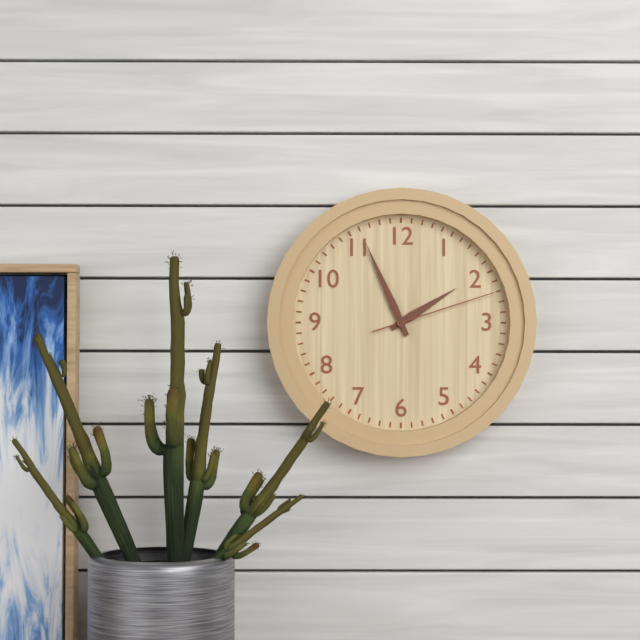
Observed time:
h=1 m=56 s=12
